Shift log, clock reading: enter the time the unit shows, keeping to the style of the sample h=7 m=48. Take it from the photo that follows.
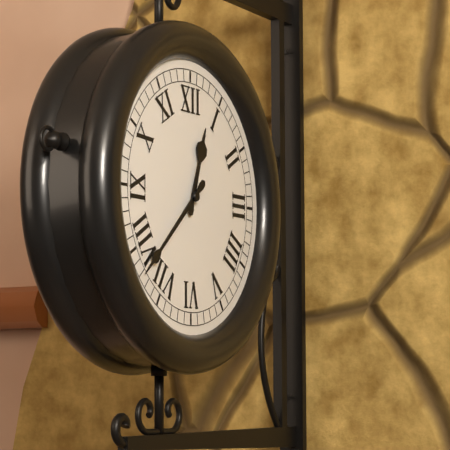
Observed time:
h=12 m=38
